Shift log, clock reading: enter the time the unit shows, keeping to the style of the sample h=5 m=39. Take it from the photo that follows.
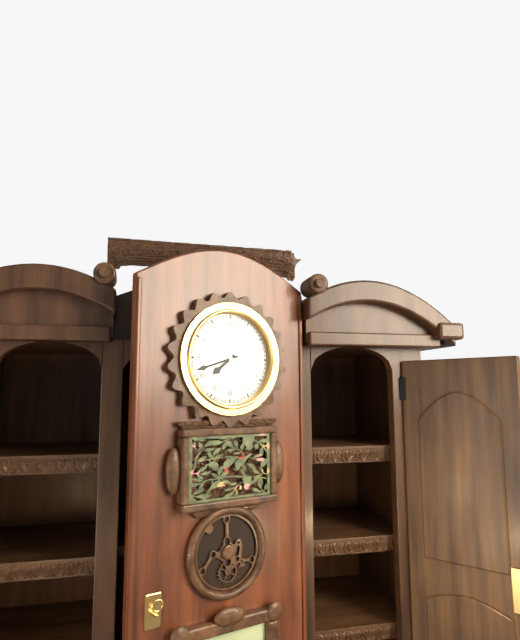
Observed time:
h=7 m=42
